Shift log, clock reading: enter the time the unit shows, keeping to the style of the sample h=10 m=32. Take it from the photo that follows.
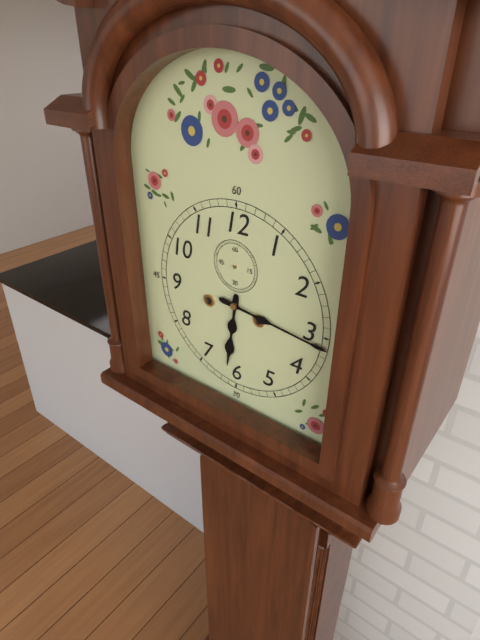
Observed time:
h=6 m=16
